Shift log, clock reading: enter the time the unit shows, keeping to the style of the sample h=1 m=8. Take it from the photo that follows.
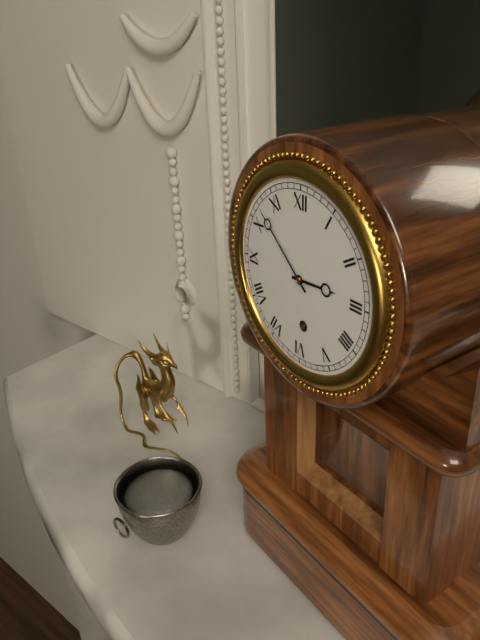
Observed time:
h=2 m=52
